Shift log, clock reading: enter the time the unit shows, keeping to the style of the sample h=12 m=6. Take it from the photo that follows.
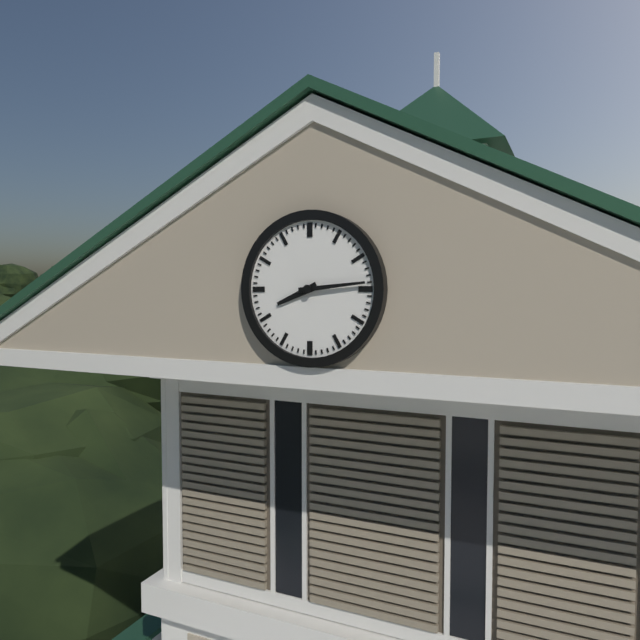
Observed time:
h=8 m=14
